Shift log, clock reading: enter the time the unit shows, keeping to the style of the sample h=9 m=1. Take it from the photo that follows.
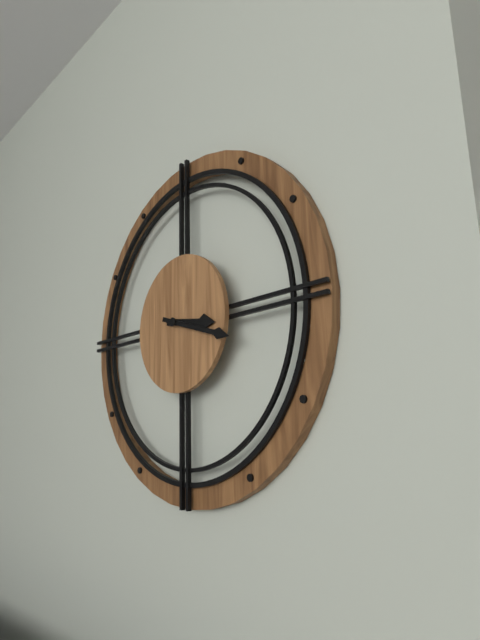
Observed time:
h=3 m=18
